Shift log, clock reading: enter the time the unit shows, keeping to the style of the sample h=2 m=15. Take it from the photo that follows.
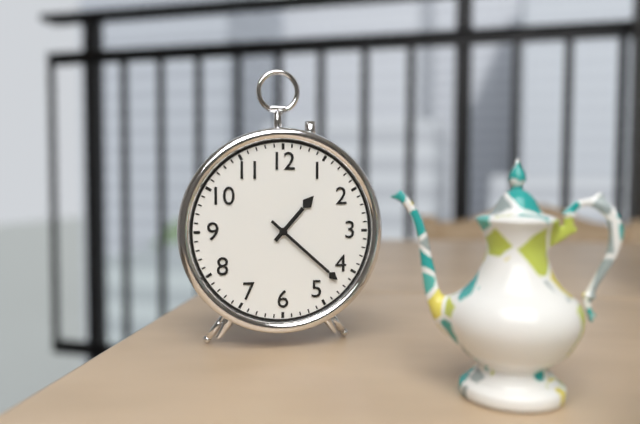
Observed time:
h=1 m=22
